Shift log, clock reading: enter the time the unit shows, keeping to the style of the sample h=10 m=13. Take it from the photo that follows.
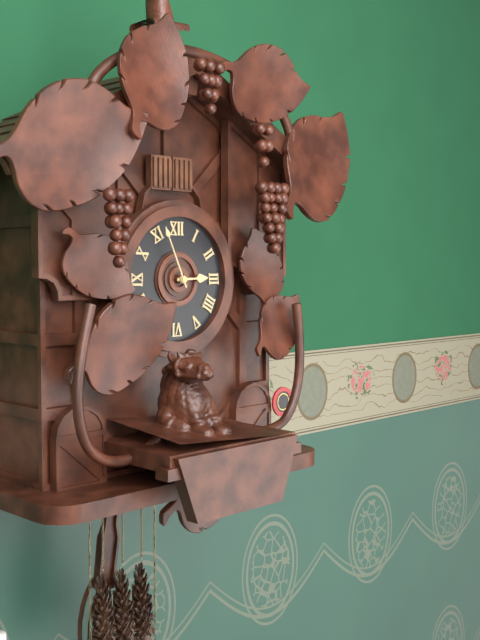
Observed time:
h=2 m=56
